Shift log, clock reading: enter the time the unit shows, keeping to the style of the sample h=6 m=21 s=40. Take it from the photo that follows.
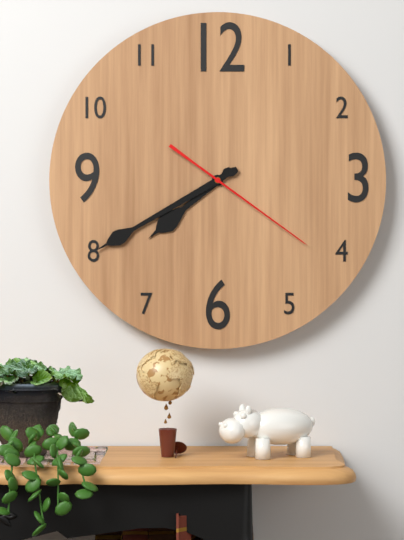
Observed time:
h=7 m=40 s=21
